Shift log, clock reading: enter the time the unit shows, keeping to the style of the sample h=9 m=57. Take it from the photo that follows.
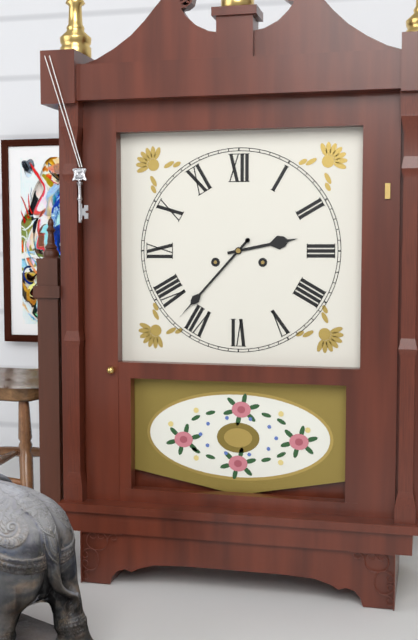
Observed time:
h=2 m=37
